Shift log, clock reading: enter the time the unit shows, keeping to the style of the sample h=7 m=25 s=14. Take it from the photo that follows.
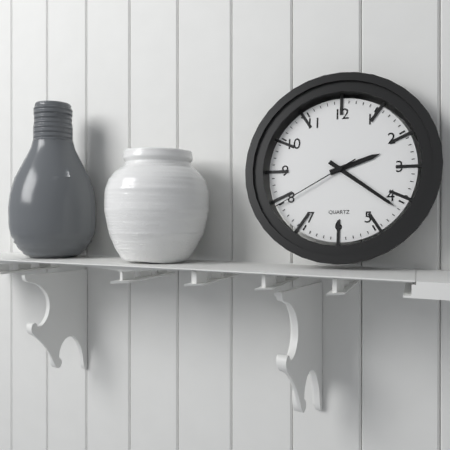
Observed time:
h=2 m=21 s=40
